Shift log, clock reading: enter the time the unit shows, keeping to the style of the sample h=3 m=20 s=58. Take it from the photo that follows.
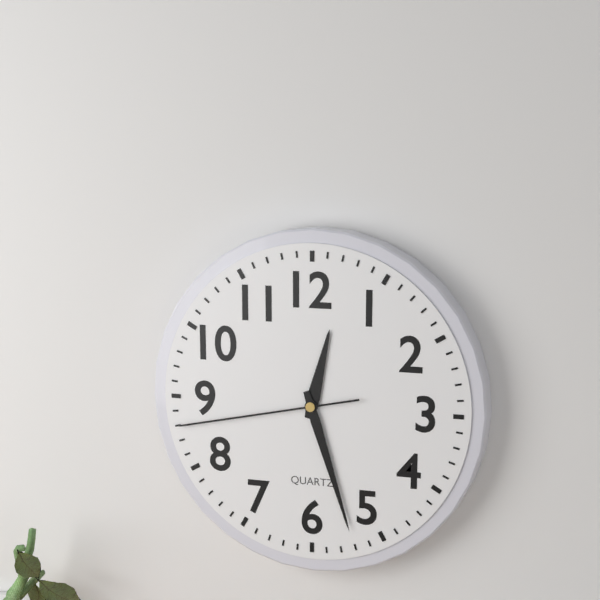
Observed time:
h=12 m=27 s=43
